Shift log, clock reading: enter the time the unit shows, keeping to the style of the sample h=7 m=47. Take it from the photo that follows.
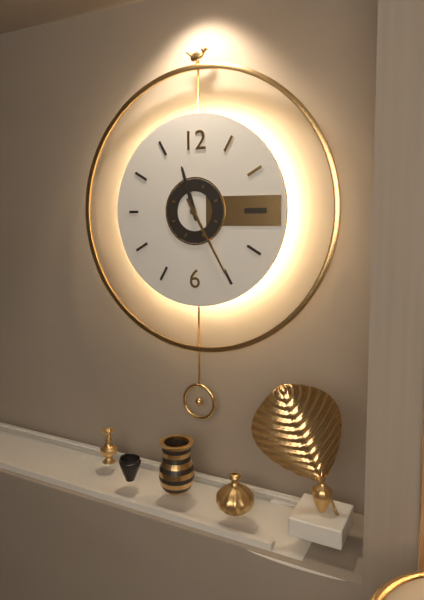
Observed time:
h=11 m=25
